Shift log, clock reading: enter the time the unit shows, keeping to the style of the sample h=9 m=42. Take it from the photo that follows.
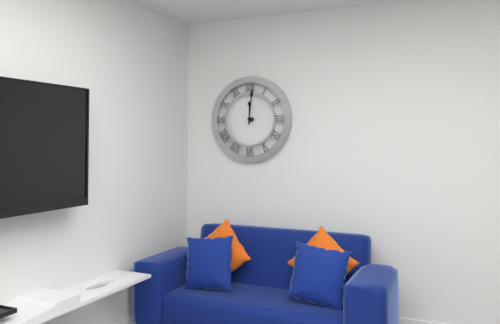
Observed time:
h=12 m=1
